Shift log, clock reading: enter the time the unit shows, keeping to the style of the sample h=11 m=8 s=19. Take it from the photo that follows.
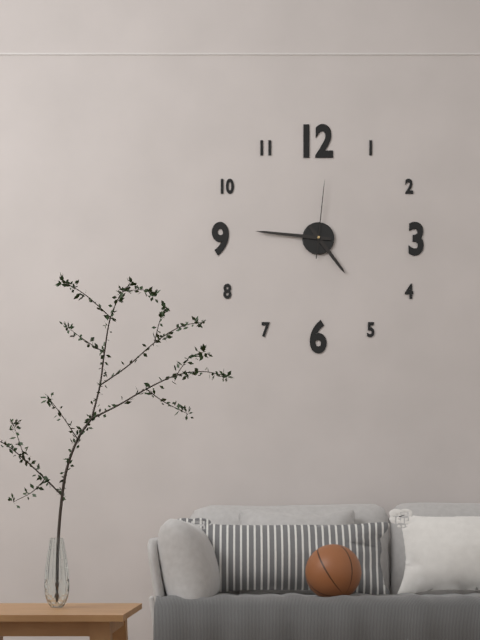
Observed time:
h=4 m=46 s=1
